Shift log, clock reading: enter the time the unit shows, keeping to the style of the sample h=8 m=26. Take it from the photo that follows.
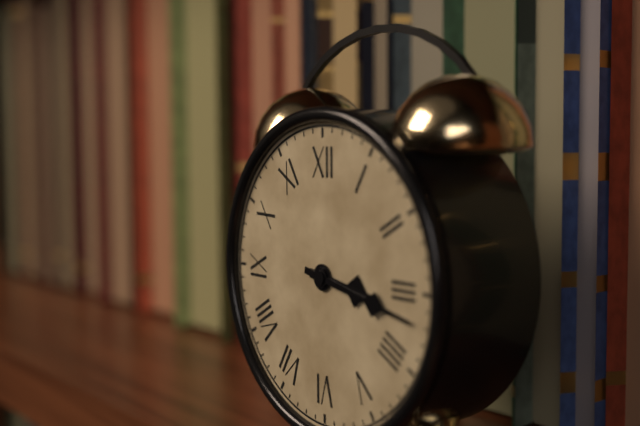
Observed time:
h=3 m=17
